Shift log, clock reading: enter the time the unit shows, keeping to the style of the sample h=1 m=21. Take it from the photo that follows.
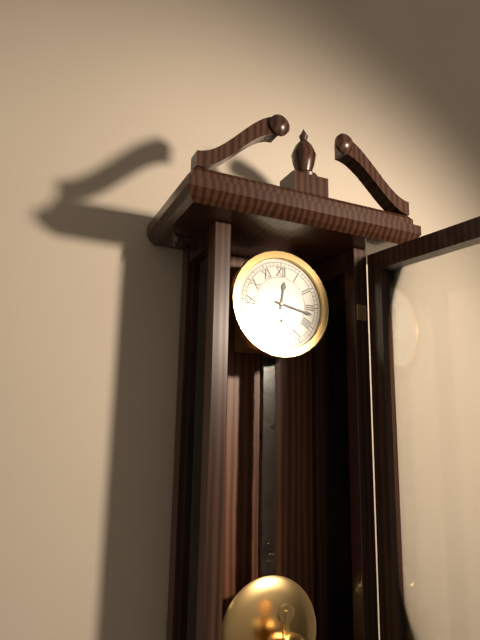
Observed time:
h=12 m=17
